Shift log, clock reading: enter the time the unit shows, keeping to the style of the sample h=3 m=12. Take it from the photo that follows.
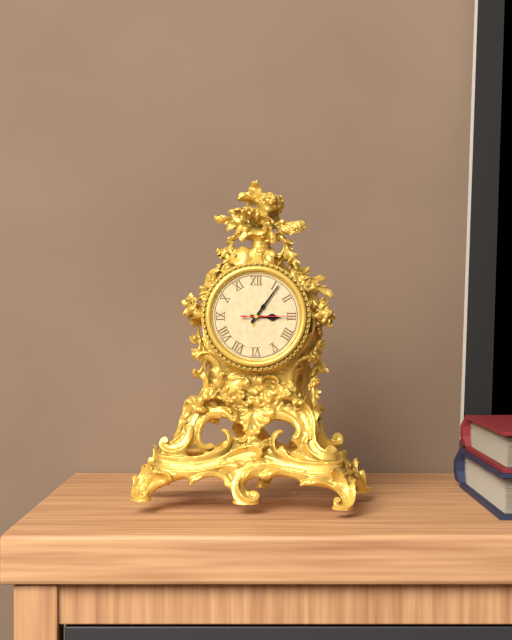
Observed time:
h=3 m=6
